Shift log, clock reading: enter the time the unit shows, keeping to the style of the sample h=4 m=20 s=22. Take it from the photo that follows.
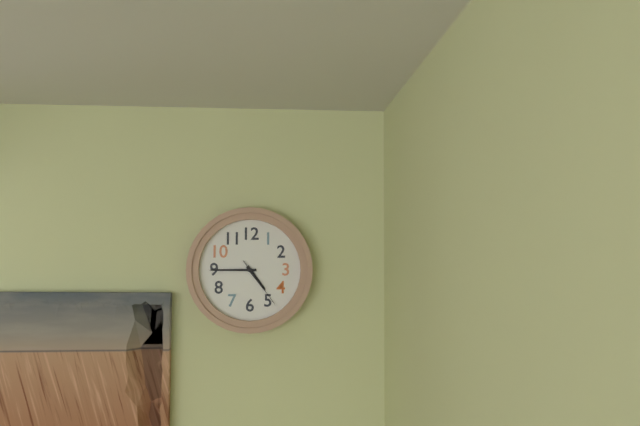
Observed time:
h=4 m=45 s=24
